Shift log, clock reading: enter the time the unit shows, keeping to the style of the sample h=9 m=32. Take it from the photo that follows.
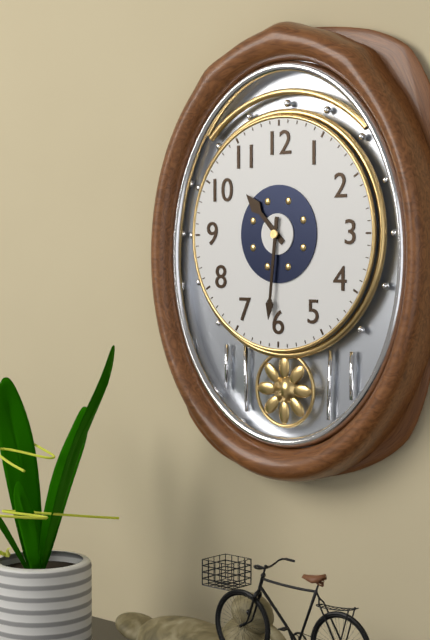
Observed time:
h=10 m=31
